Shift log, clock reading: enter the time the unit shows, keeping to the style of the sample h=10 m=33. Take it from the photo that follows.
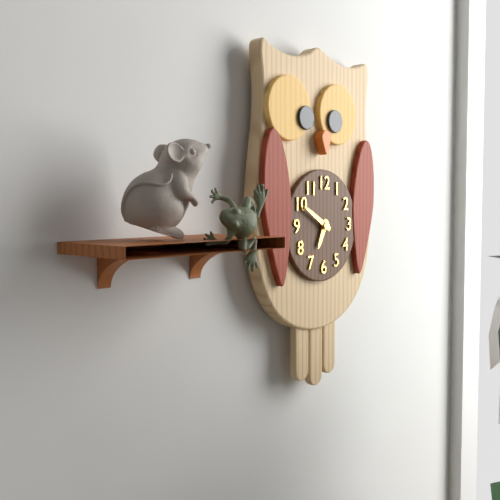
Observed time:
h=6 m=50
